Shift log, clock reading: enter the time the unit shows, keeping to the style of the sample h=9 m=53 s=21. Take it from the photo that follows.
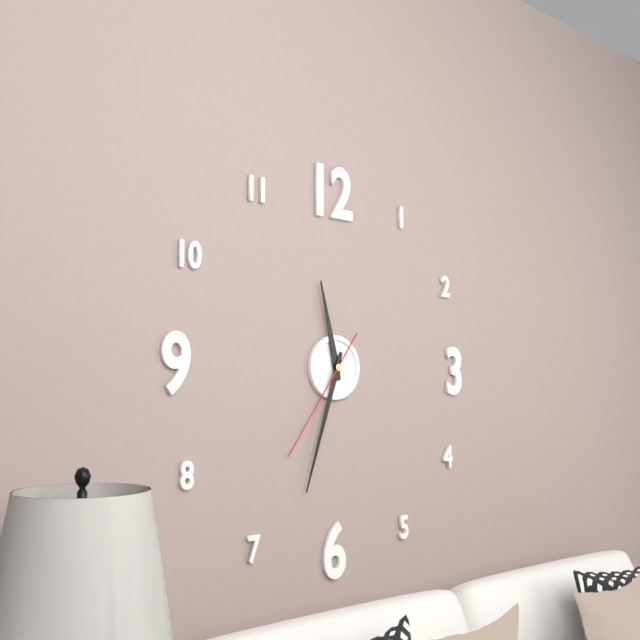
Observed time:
h=11 m=33 s=36
